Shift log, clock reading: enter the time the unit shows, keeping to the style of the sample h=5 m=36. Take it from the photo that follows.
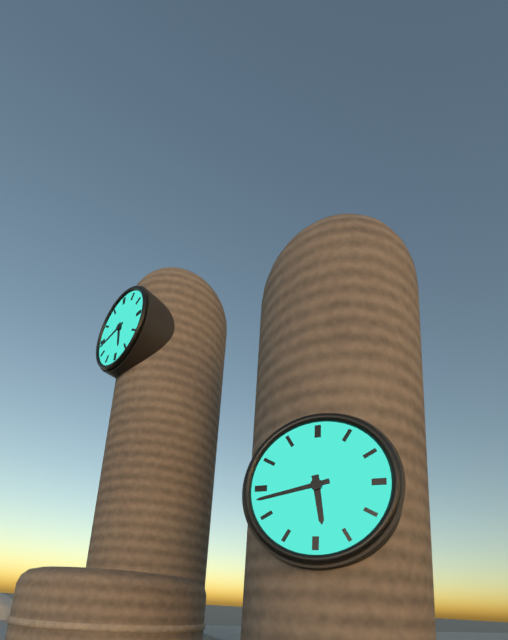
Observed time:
h=5 m=43
